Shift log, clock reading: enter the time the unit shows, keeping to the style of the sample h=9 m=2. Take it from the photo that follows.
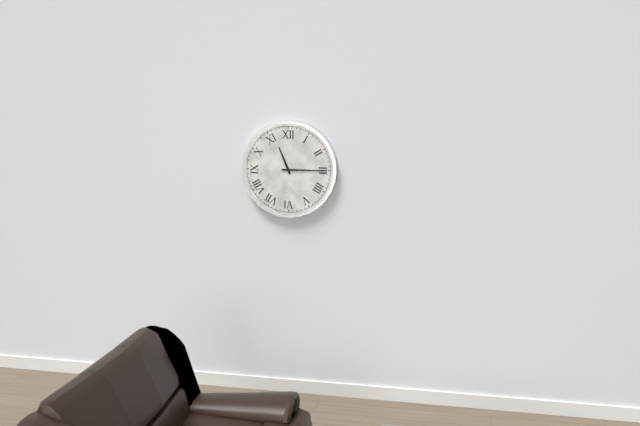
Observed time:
h=11 m=15
